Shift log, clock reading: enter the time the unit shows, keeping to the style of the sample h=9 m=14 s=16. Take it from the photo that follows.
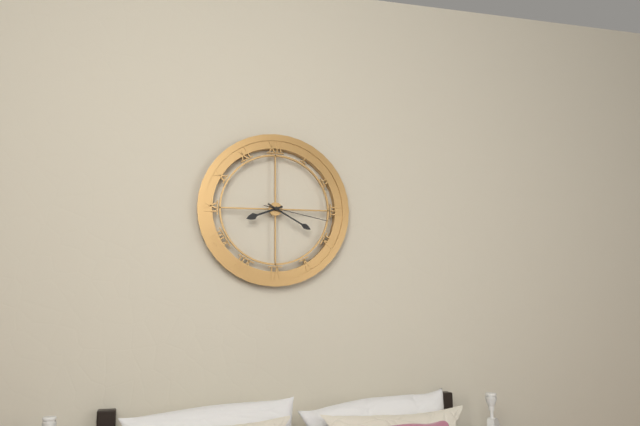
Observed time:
h=8 m=20 s=17
